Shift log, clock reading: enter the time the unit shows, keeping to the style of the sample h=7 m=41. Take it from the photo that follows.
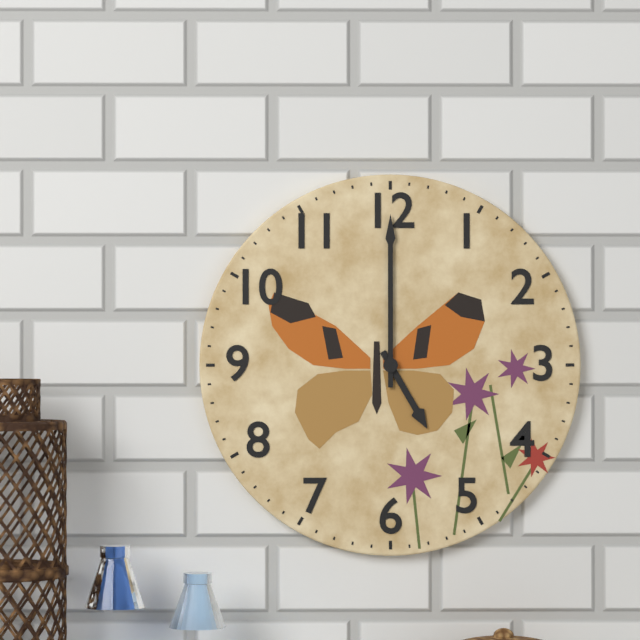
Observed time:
h=5 m=0
